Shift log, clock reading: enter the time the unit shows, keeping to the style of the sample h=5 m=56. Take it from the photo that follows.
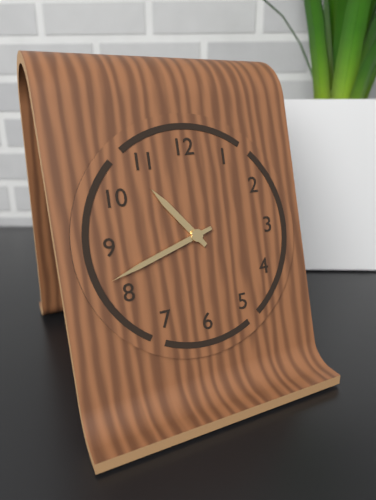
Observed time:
h=10 m=42
